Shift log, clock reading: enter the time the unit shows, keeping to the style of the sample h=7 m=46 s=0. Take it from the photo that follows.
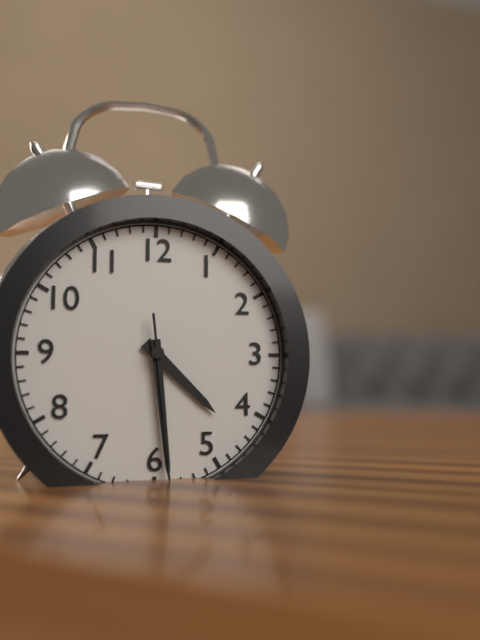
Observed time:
h=4 m=29 s=29
